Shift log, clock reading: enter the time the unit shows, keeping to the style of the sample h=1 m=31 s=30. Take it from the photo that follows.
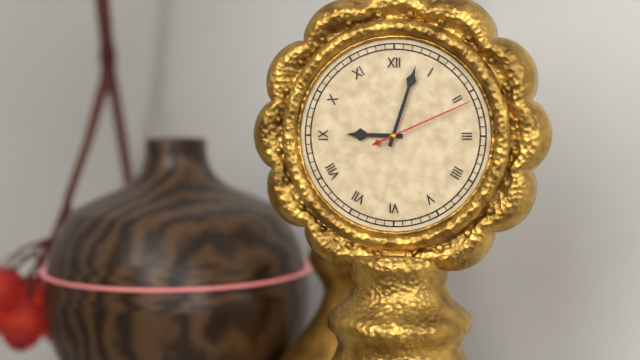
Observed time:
h=9 m=3 s=11
